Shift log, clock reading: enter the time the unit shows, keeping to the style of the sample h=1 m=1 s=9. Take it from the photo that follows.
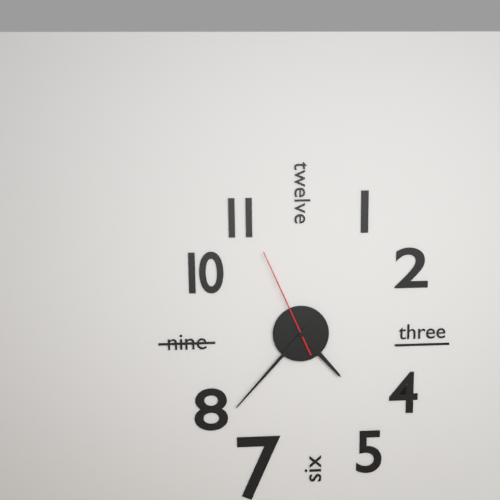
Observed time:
h=4 m=37 s=56
